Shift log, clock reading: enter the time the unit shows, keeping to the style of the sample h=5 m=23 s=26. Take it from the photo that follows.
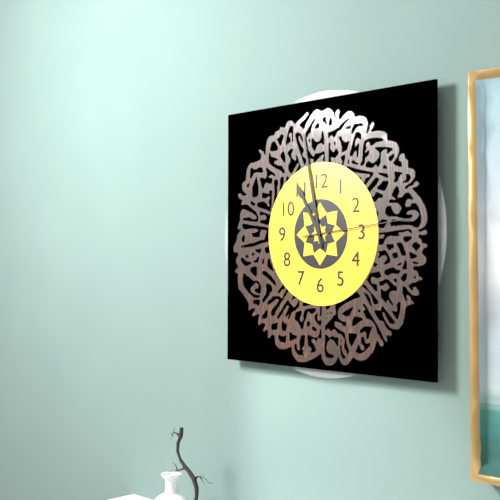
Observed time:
h=10 m=58 s=14
